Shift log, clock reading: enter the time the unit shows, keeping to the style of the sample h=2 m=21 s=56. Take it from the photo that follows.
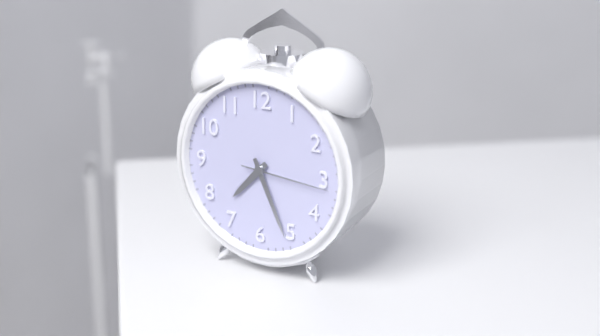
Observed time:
h=7 m=26 s=16
